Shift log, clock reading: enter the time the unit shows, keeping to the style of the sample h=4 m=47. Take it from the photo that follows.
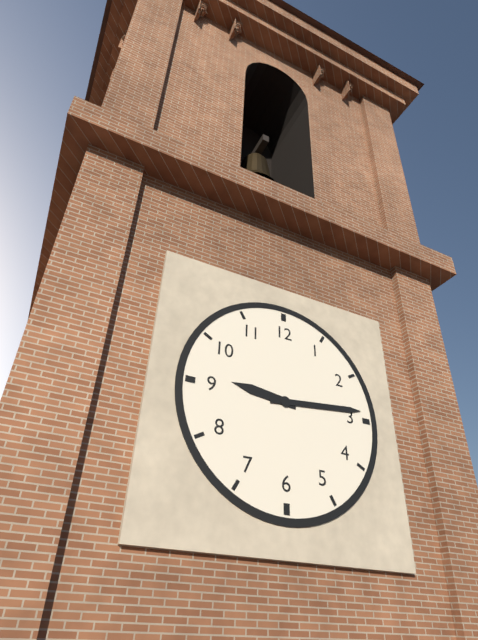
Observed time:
h=9 m=14
